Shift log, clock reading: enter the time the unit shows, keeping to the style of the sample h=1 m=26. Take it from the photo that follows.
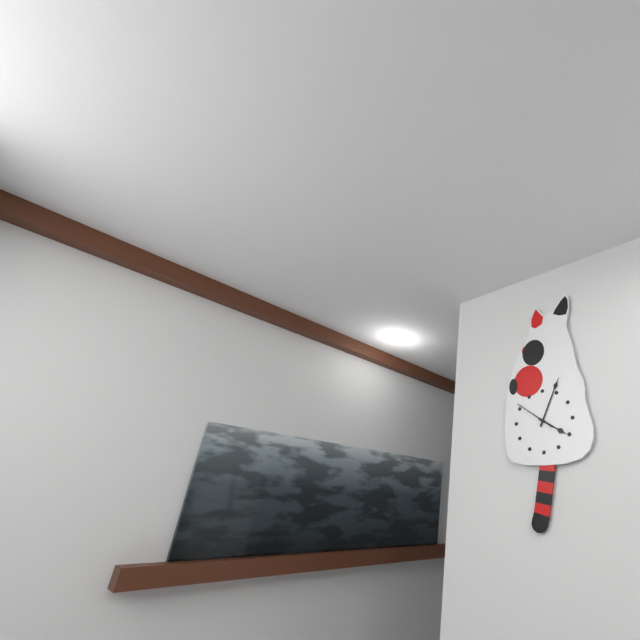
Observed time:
h=4 m=4
